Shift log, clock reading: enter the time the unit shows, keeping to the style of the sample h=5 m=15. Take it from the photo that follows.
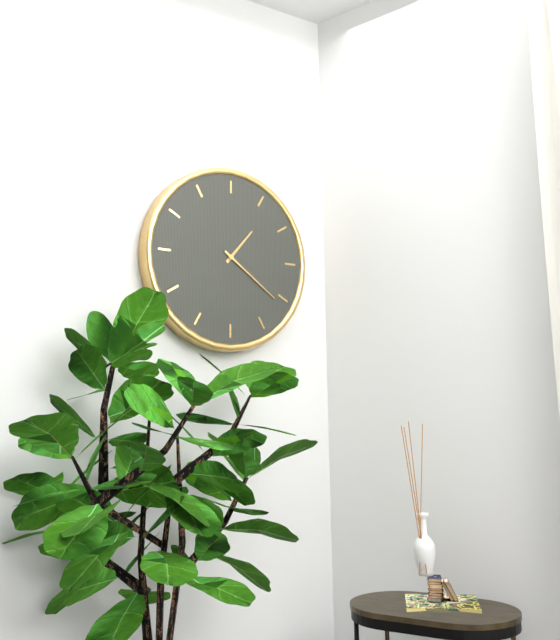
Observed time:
h=1 m=21
